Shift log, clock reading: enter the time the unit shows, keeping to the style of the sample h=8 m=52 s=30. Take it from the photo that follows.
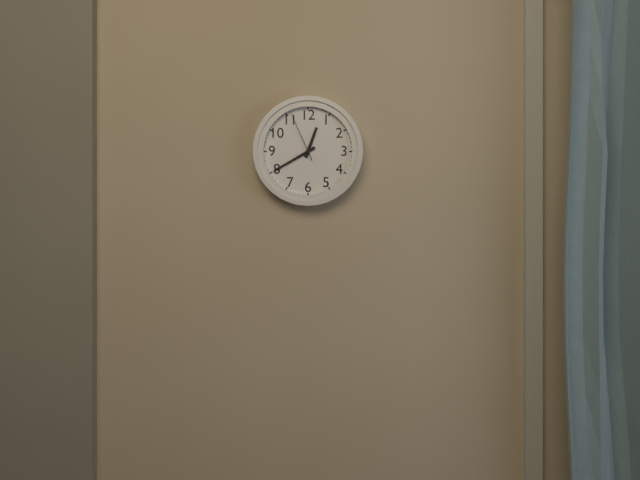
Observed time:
h=12 m=40 s=56
